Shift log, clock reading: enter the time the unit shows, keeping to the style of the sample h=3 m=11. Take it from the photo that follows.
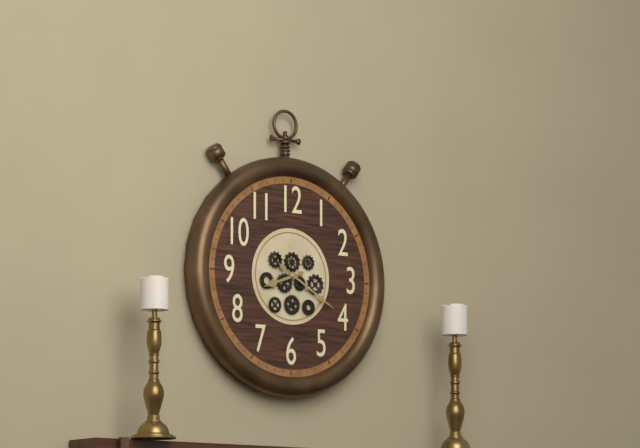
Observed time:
h=8 m=20
